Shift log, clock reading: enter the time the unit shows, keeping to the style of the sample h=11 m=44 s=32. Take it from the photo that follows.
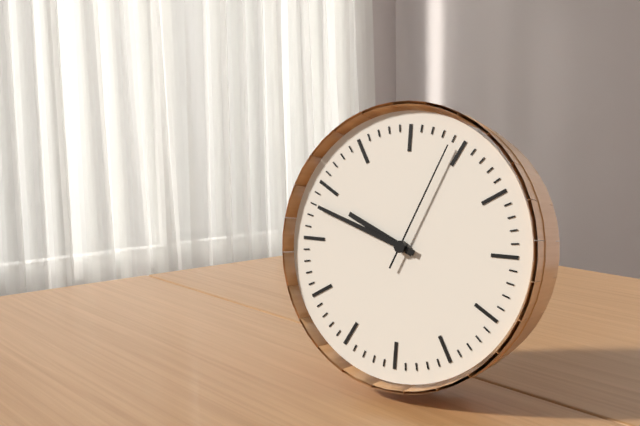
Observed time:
h=9 m=48 s=4
